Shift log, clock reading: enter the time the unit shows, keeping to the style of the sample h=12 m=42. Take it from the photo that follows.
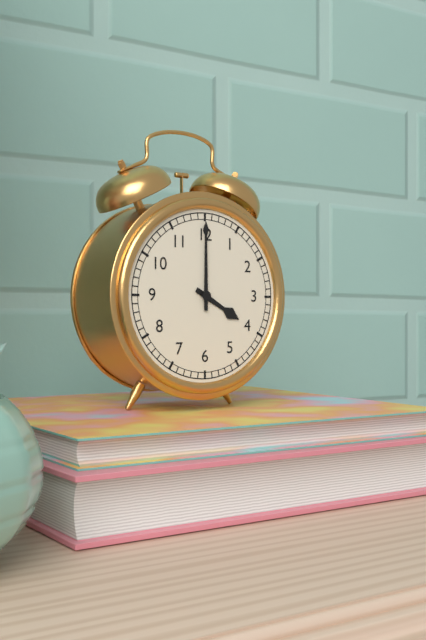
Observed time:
h=4 m=0
